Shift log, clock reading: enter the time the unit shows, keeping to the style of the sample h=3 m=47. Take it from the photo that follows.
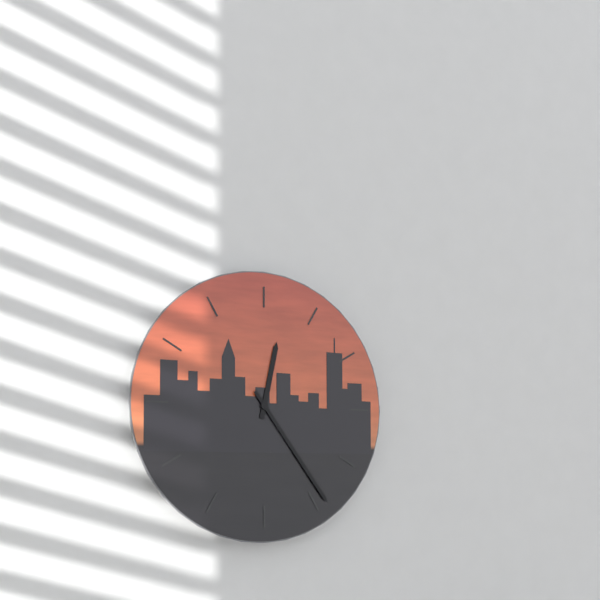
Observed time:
h=12 m=24
